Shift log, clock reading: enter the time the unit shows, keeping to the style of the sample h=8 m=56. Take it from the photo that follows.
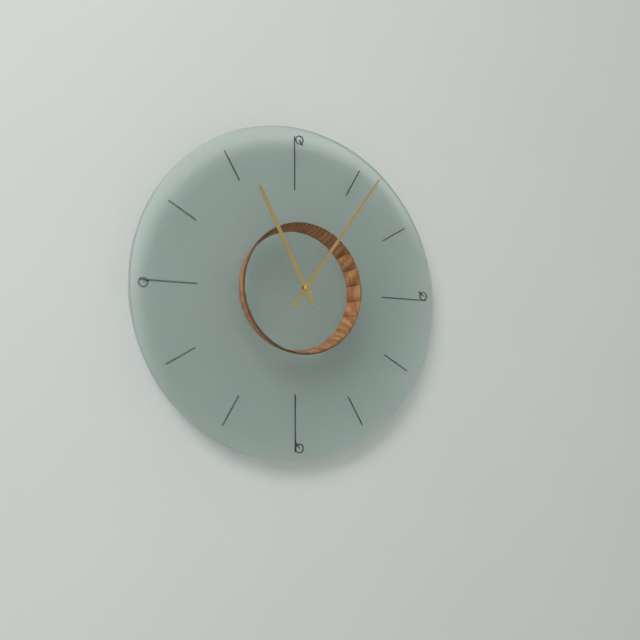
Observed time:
h=11 m=6
